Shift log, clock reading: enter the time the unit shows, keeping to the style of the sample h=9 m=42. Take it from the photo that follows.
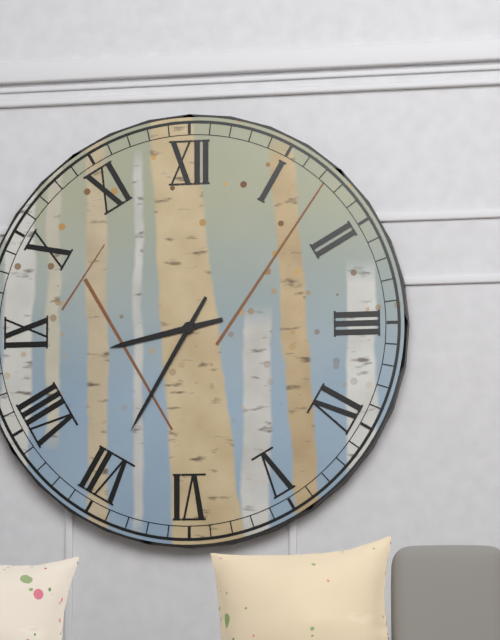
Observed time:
h=8 m=35
